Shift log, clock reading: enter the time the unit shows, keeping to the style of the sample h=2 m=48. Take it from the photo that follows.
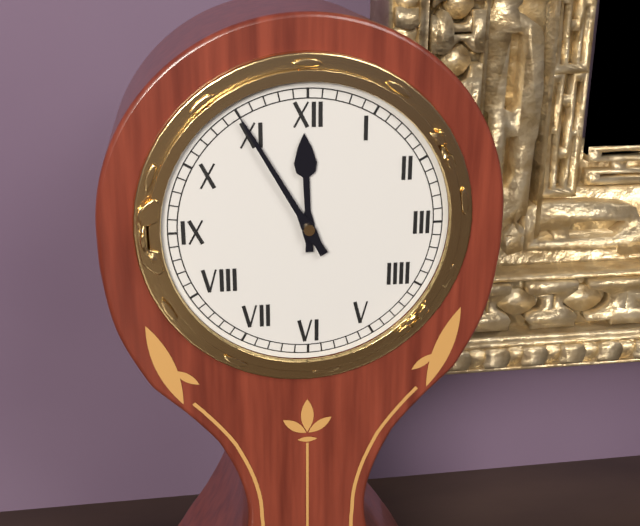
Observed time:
h=11 m=55
